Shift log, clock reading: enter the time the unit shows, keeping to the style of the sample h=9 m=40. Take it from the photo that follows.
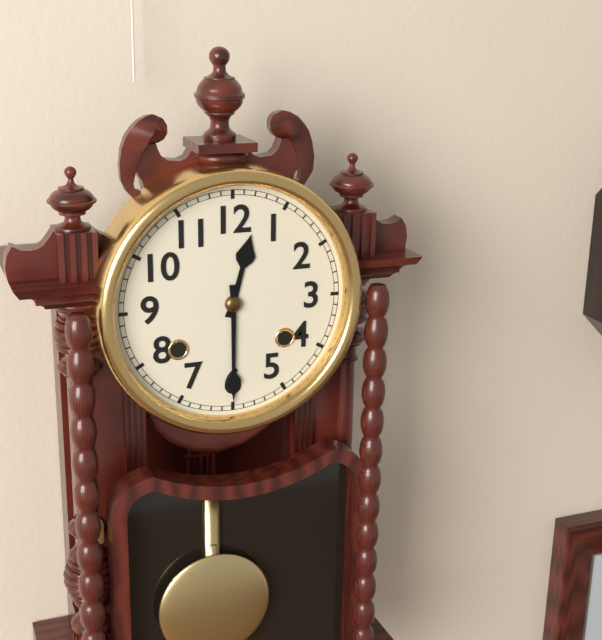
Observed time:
h=12 m=30
